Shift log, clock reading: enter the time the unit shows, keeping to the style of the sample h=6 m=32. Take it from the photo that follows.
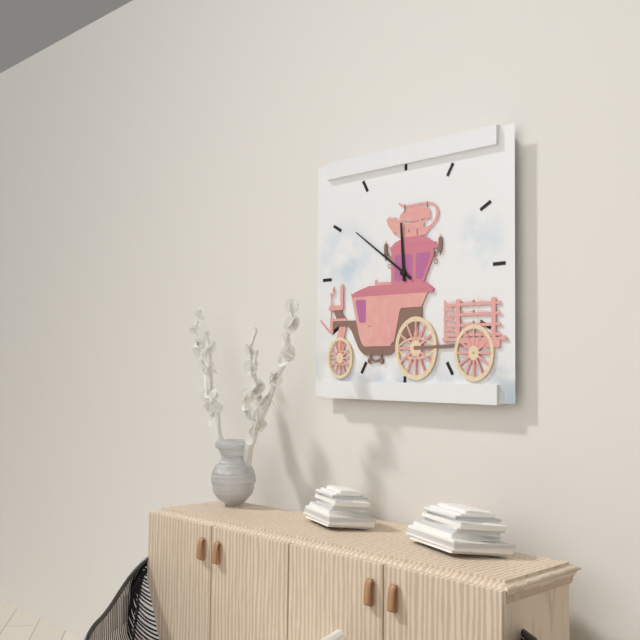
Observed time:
h=11 m=51
